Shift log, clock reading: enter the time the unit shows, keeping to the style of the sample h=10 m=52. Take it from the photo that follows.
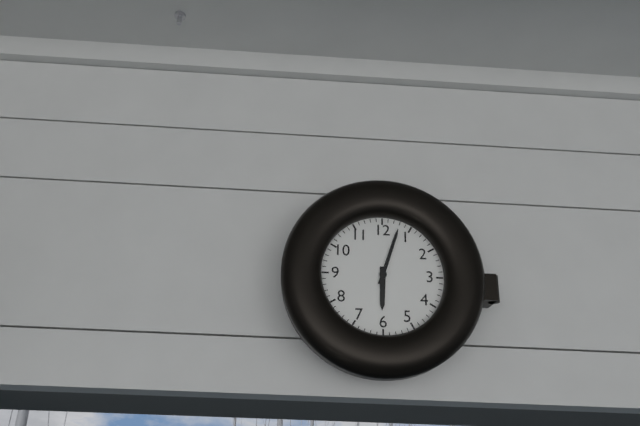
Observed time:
h=6 m=3
